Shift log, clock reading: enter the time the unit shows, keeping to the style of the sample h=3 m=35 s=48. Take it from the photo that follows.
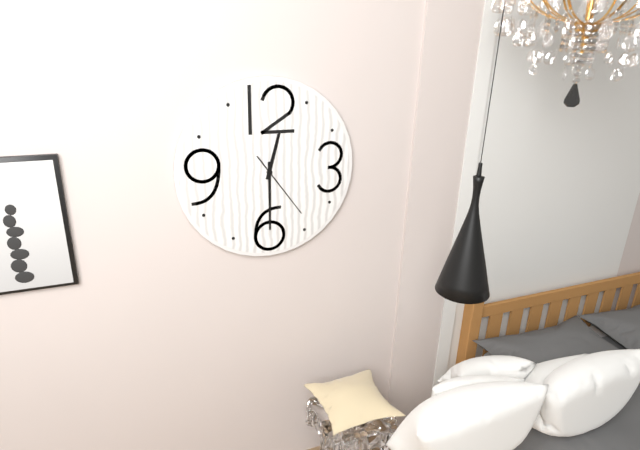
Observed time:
h=12 m=30 s=24
